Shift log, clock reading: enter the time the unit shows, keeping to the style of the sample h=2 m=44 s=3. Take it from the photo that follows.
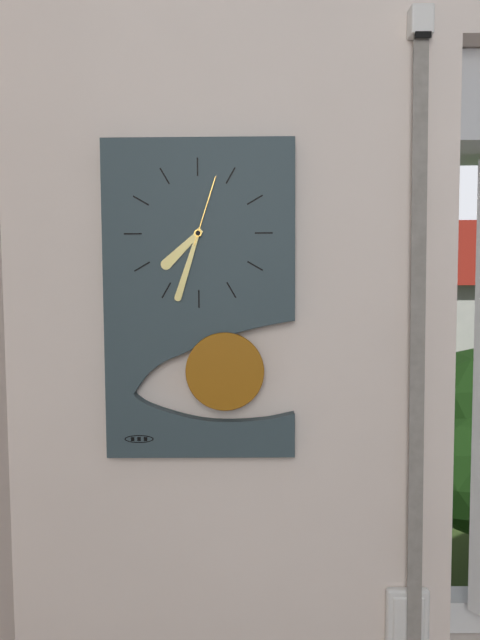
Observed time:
h=7 m=33 s=3
